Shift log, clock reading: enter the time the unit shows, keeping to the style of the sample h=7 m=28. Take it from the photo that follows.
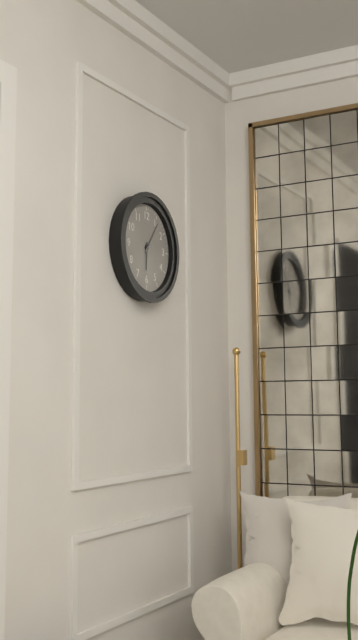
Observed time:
h=6 m=6
